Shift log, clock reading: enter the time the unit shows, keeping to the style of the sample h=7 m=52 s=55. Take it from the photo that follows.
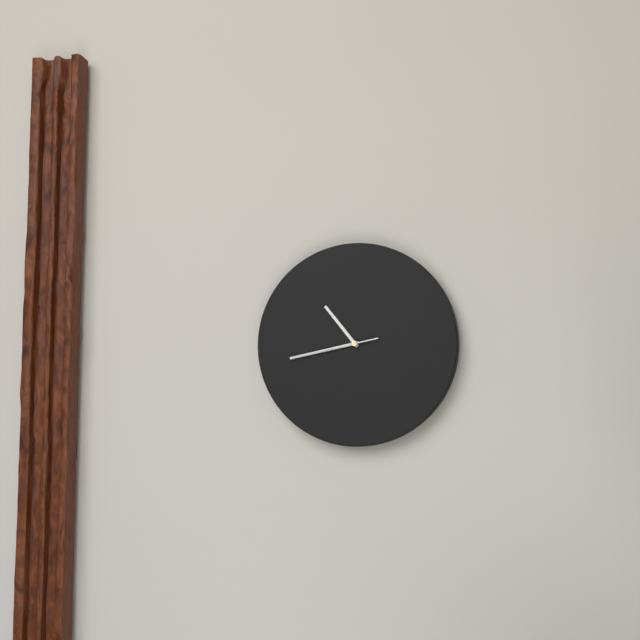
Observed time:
h=10 m=43 s=43
